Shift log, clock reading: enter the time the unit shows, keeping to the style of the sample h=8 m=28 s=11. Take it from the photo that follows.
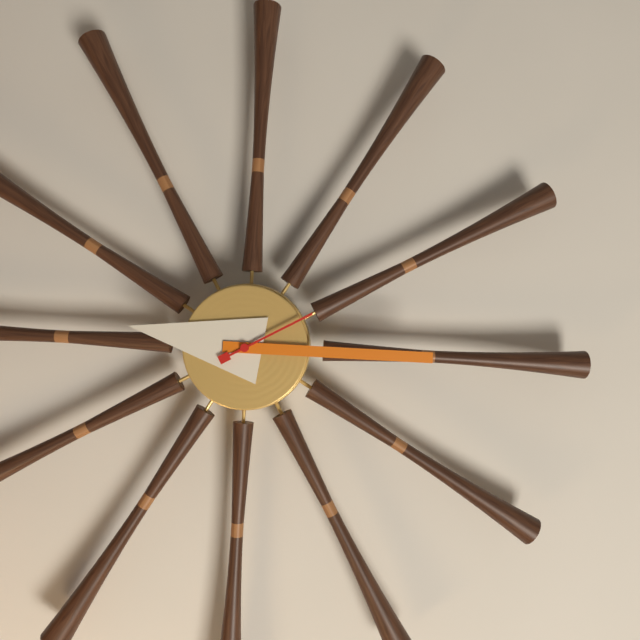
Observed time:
h=9 m=15 s=10
